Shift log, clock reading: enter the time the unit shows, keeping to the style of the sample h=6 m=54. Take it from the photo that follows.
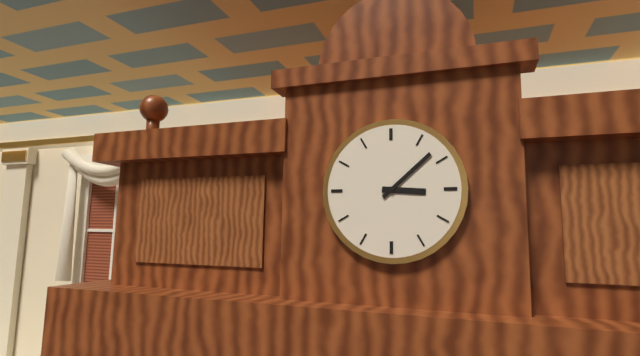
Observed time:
h=3 m=8
